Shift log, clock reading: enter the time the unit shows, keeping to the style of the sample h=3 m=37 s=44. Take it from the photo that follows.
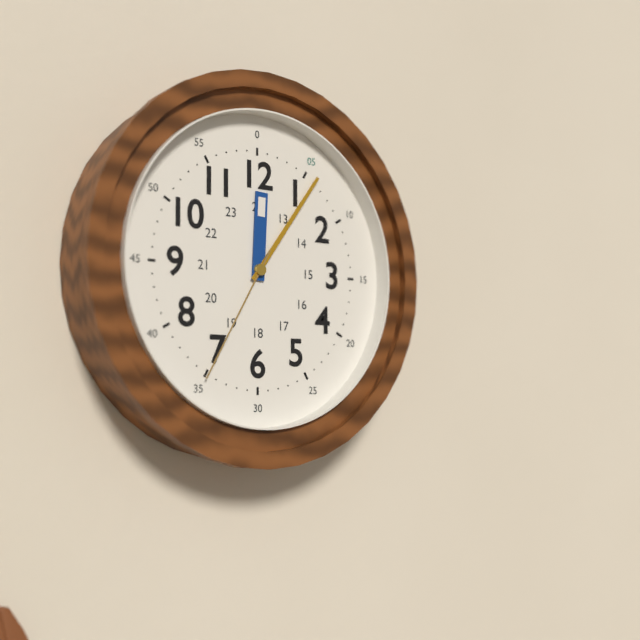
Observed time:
h=12 m=6 s=35
